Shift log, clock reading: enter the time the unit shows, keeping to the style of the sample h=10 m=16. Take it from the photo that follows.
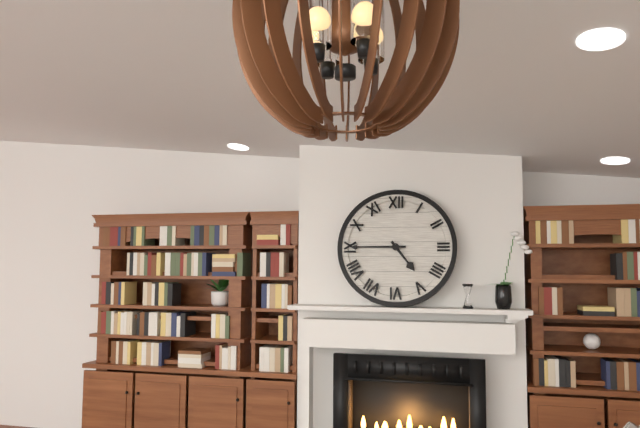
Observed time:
h=4 m=45
